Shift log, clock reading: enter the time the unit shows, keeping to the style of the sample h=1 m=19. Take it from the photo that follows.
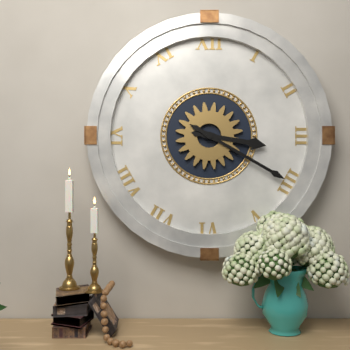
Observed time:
h=3 m=20
